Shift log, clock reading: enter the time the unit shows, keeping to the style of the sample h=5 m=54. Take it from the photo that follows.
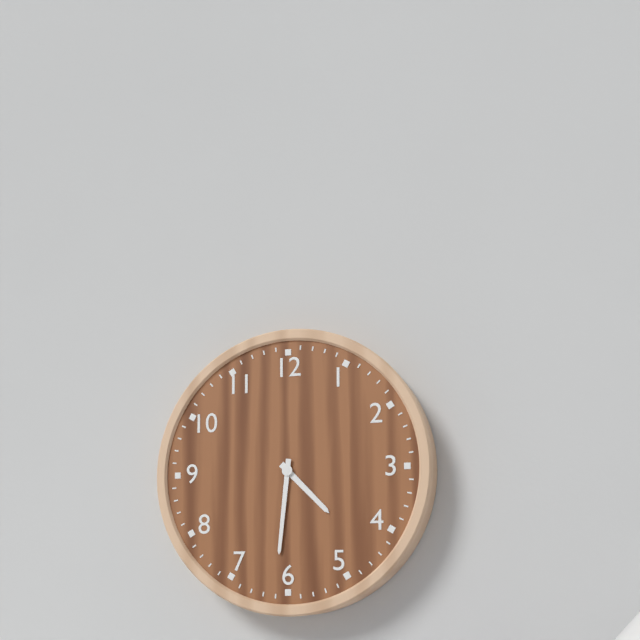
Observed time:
h=4 m=31
